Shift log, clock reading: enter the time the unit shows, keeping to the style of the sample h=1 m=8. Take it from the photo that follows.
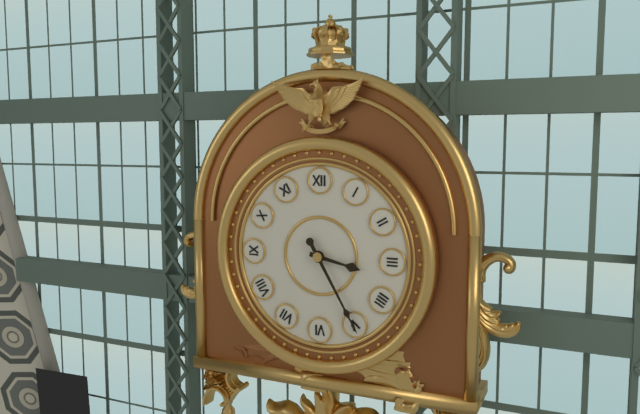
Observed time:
h=3 m=25
